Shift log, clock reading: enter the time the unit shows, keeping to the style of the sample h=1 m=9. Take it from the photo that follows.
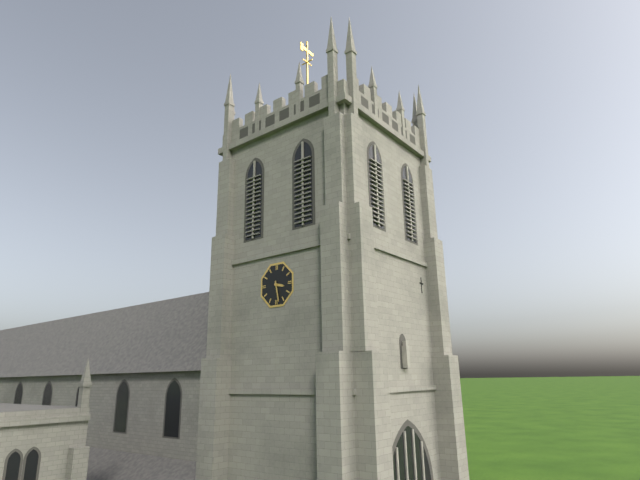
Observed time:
h=3 m=28
